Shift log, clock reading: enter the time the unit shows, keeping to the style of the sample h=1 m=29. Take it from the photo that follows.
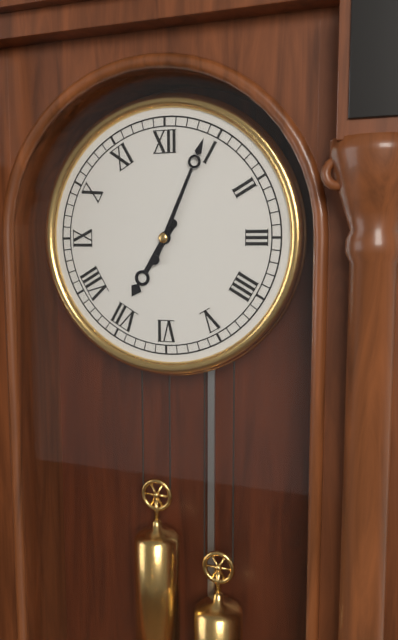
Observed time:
h=7 m=4
